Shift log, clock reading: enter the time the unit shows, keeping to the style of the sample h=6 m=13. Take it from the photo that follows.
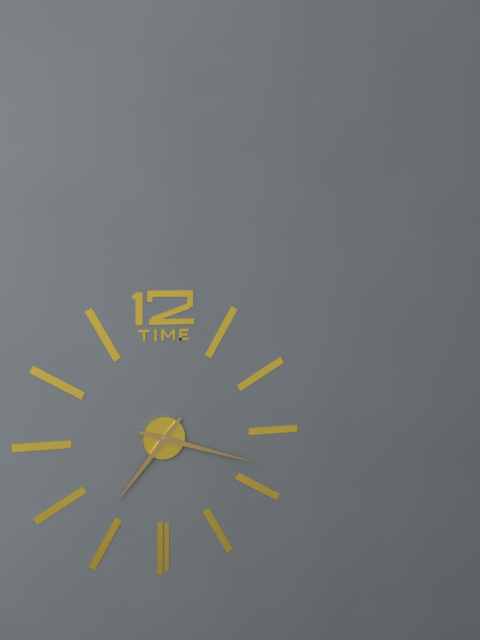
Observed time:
h=7 m=18
